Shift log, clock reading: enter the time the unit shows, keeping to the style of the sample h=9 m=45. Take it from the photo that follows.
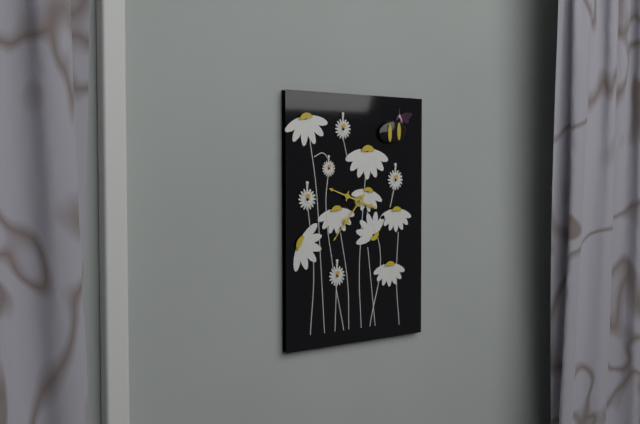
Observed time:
h=9 m=37
